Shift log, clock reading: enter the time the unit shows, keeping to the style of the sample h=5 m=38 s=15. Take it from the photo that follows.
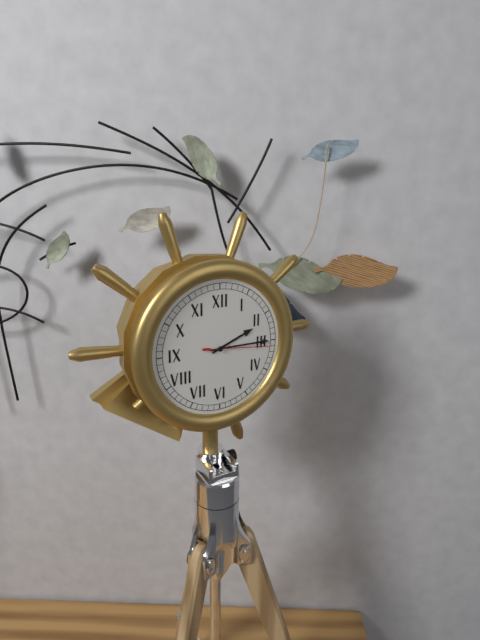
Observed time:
h=2 m=15 s=16
